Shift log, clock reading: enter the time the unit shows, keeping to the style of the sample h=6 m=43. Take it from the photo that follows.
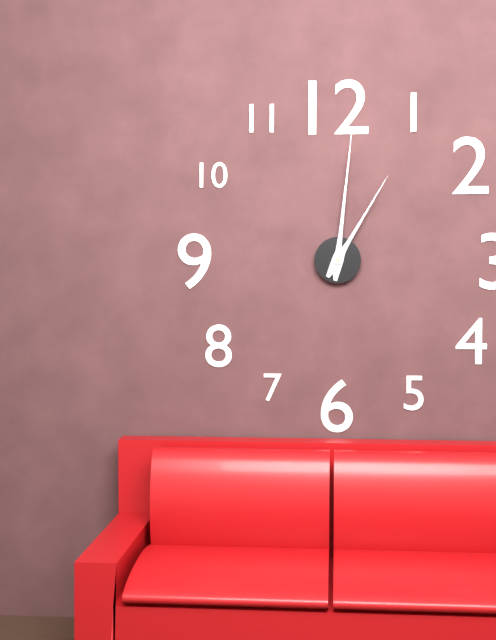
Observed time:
h=1 m=1
